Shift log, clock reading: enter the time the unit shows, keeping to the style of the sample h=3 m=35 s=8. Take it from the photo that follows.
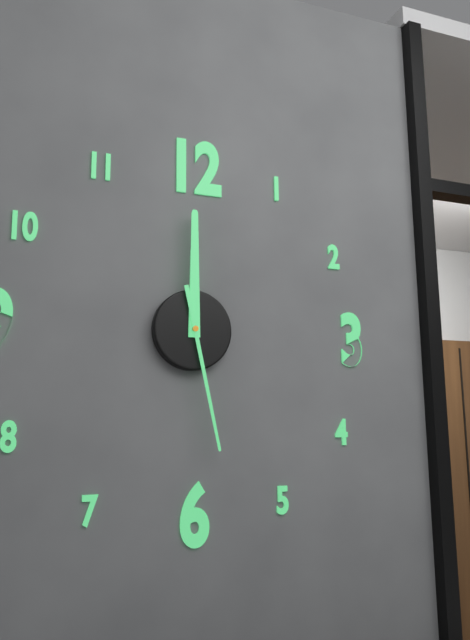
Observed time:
h=12 m=0 s=28
